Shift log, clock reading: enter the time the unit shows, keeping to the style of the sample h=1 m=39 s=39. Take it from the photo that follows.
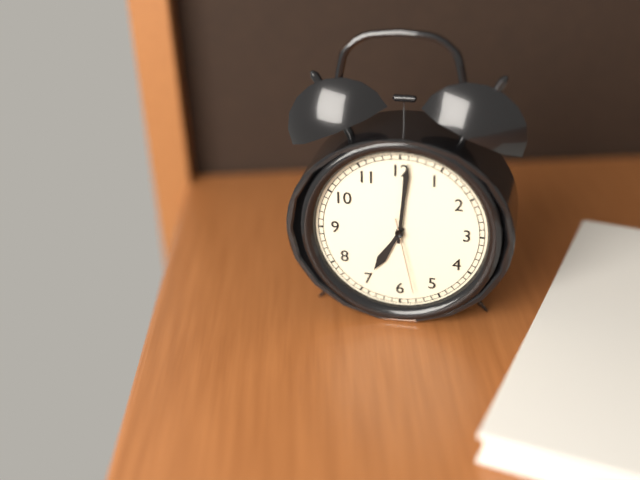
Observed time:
h=7 m=1 s=28
